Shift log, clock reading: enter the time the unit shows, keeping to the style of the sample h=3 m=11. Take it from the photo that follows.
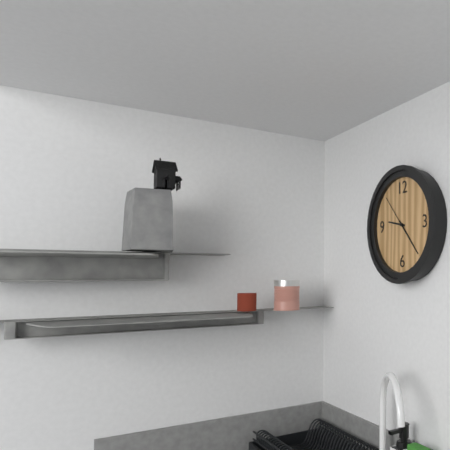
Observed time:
h=9 m=23
